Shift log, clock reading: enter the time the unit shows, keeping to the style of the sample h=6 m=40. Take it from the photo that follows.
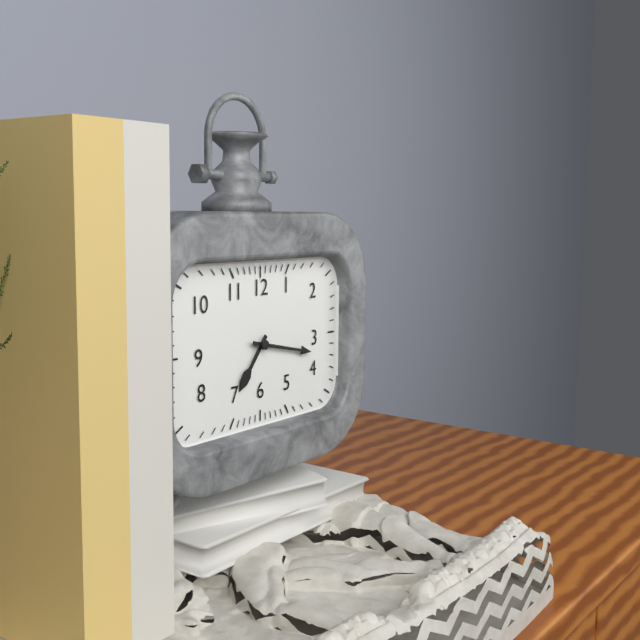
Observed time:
h=7 m=17
